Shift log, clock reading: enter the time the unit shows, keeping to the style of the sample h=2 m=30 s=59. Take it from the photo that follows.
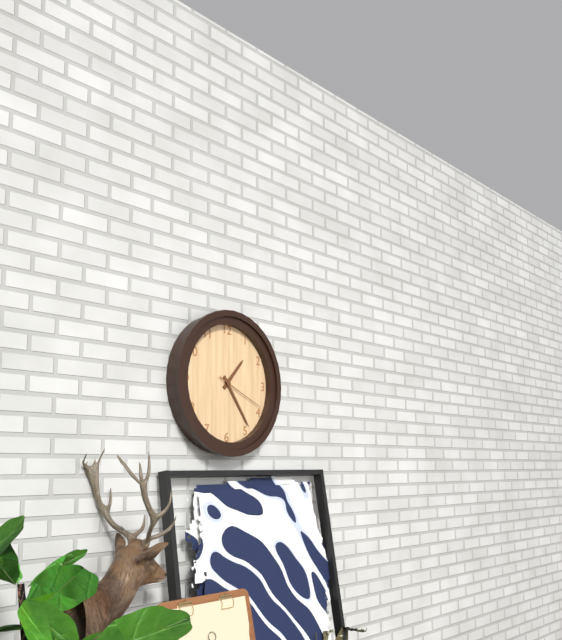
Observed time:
h=1 m=24 s=19
